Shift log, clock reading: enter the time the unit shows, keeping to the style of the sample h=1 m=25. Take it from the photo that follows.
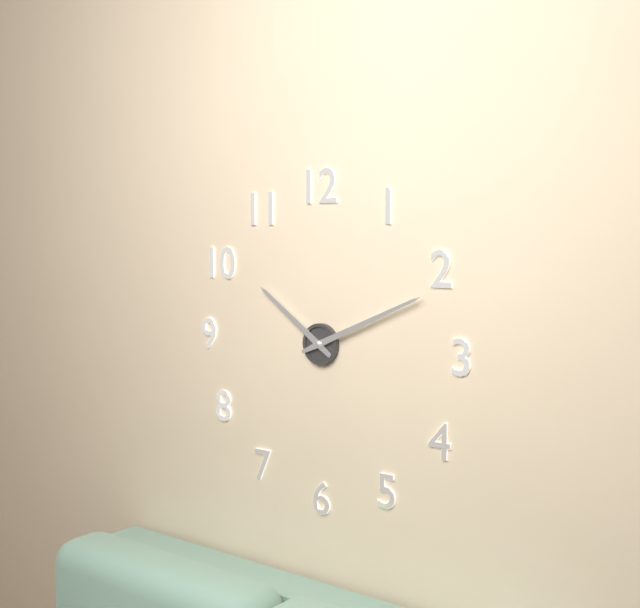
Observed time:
h=10 m=11
